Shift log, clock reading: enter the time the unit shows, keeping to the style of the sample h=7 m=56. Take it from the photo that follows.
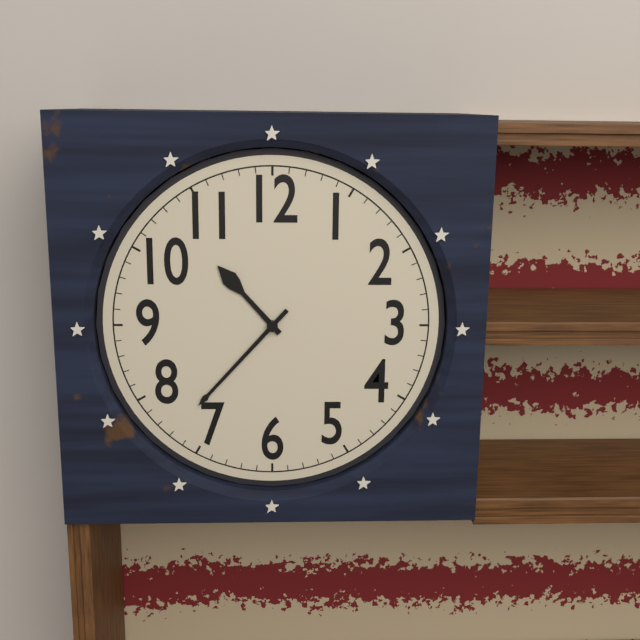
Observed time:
h=10 m=37
